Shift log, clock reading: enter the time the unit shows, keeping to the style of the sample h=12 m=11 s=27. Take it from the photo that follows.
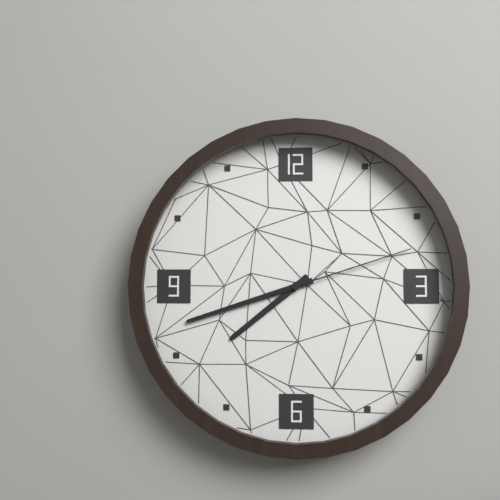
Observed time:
h=7 m=42 s=12
